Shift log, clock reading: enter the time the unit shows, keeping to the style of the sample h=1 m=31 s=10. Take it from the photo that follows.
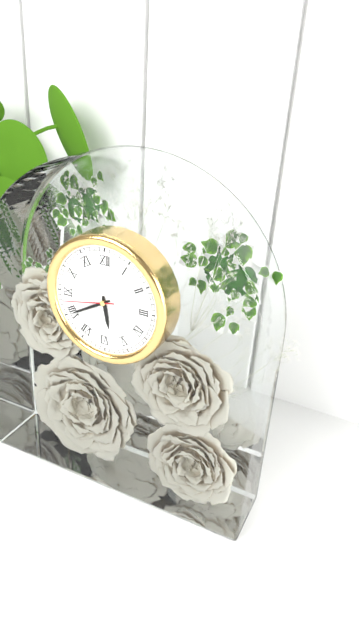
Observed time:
h=5 m=40 s=43
